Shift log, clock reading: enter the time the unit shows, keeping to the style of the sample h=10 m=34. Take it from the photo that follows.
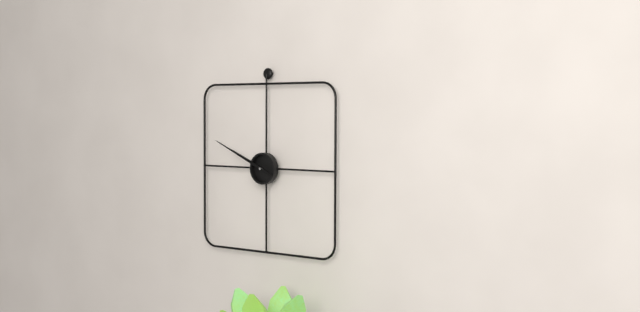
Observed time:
h=9 m=49
